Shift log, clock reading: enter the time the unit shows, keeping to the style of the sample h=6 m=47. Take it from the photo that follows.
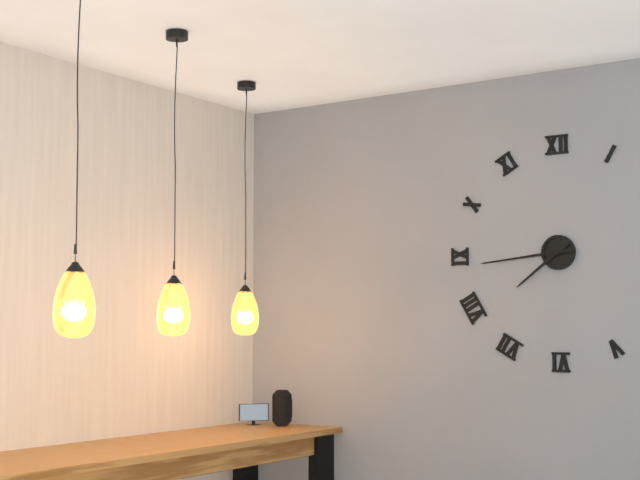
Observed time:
h=7 m=44
